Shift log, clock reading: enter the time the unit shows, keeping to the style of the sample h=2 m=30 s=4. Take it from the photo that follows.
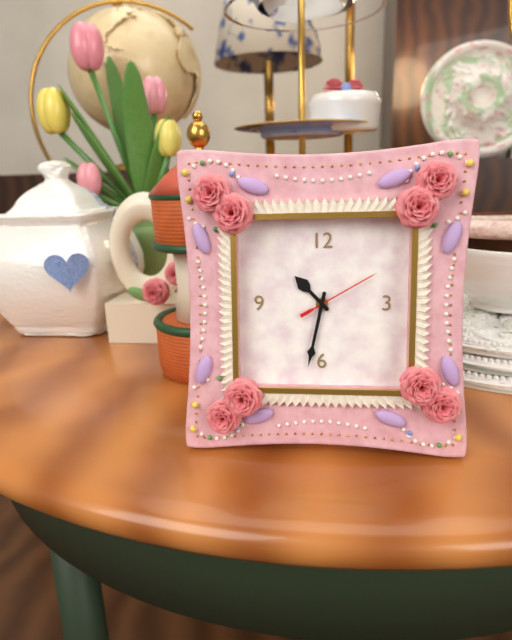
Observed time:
h=10 m=32 s=10
